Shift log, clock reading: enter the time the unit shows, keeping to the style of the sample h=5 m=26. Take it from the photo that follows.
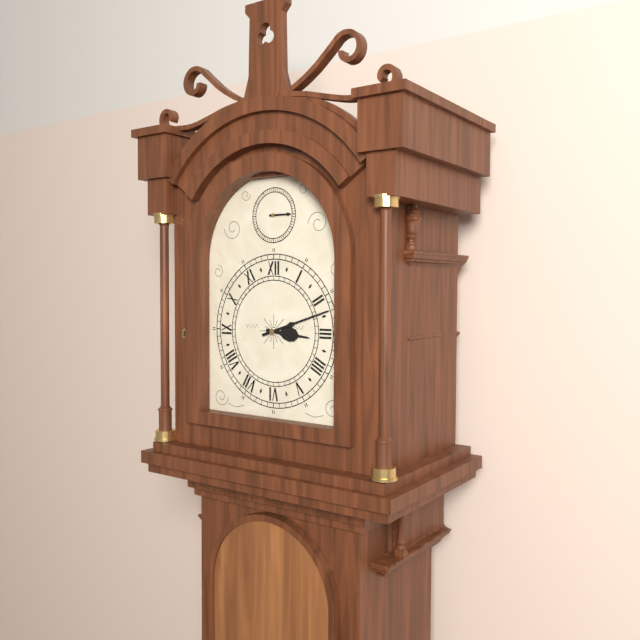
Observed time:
h=3 m=12
